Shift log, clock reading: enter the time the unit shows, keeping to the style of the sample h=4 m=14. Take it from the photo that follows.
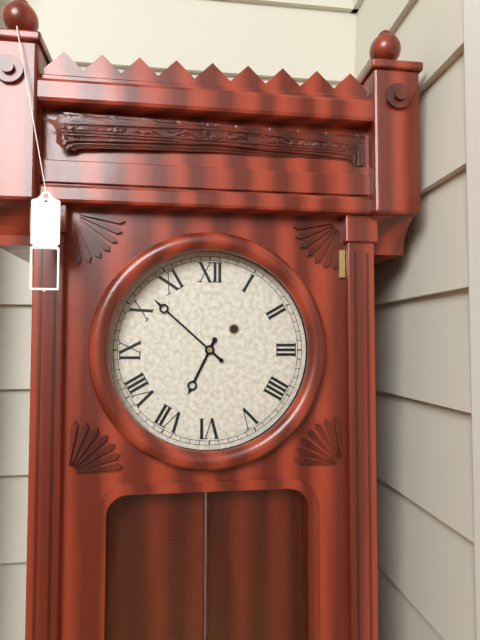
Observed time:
h=6 m=52
